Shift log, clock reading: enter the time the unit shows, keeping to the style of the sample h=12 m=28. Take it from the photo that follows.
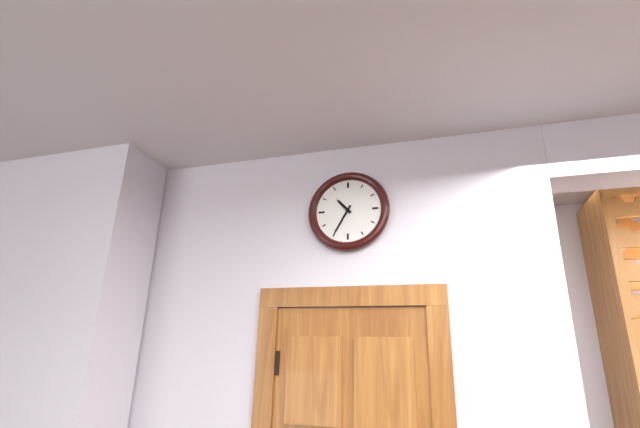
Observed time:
h=10 m=35
